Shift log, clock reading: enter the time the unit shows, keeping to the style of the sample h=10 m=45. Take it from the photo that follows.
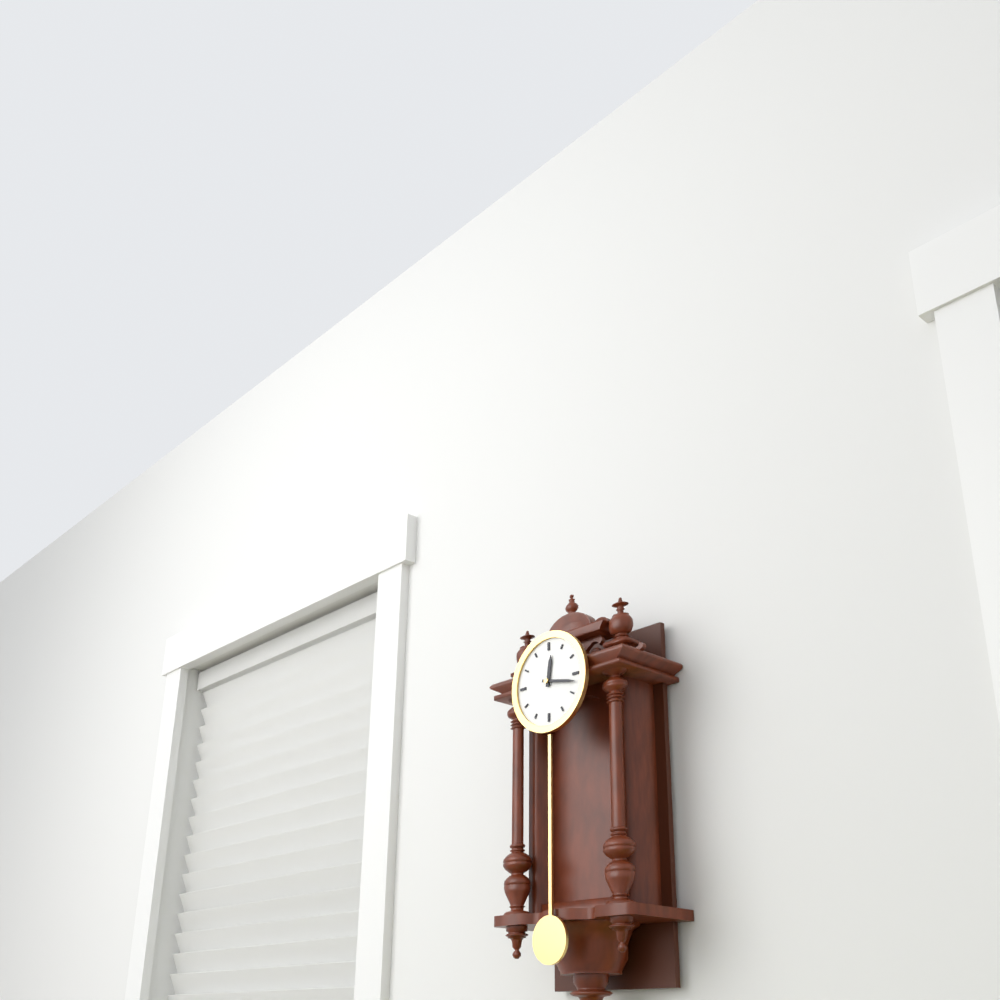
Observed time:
h=12 m=17
